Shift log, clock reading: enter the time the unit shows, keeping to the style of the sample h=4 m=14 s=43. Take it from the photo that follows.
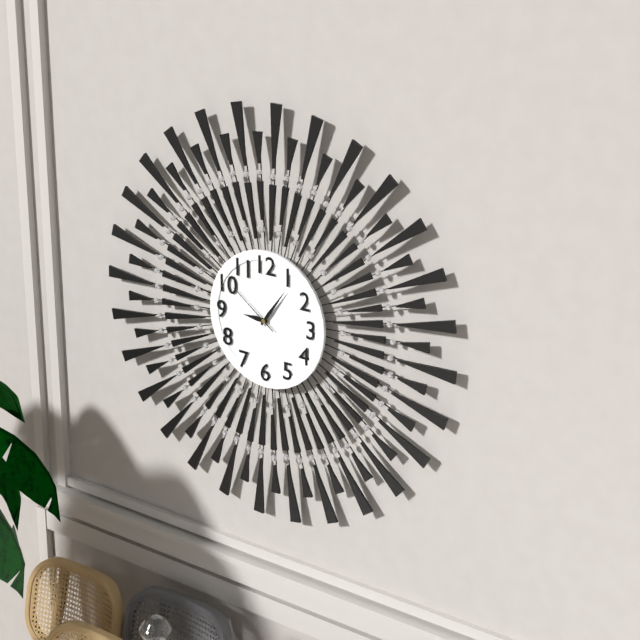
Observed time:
h=9 m=6 s=51
